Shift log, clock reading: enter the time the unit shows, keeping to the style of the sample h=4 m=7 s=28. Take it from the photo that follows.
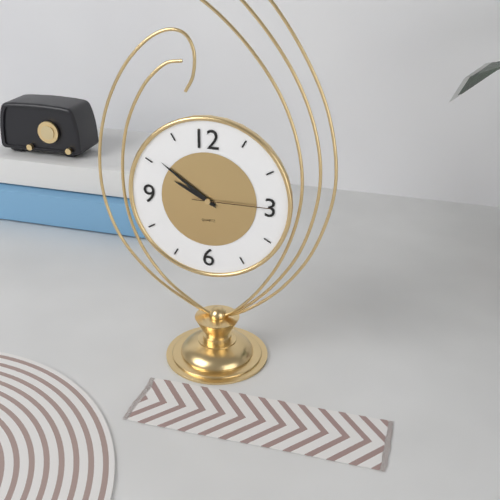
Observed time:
h=9 m=51 s=15
